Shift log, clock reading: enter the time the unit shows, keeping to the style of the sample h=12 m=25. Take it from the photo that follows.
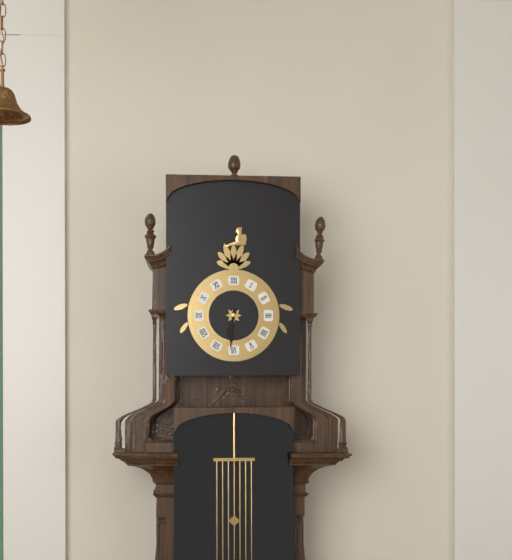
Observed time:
h=6 m=31
